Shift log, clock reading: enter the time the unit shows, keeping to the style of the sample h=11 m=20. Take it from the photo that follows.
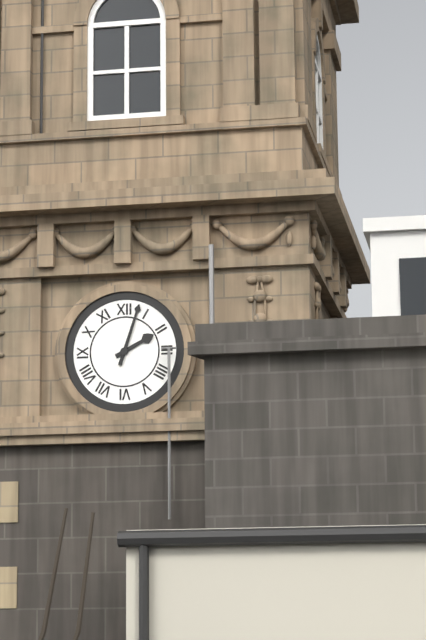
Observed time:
h=2 m=3
